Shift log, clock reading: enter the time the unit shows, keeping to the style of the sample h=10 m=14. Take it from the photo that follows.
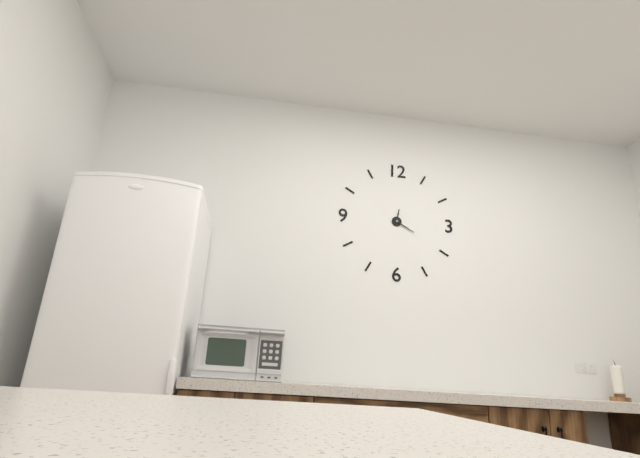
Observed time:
h=12 m=20
